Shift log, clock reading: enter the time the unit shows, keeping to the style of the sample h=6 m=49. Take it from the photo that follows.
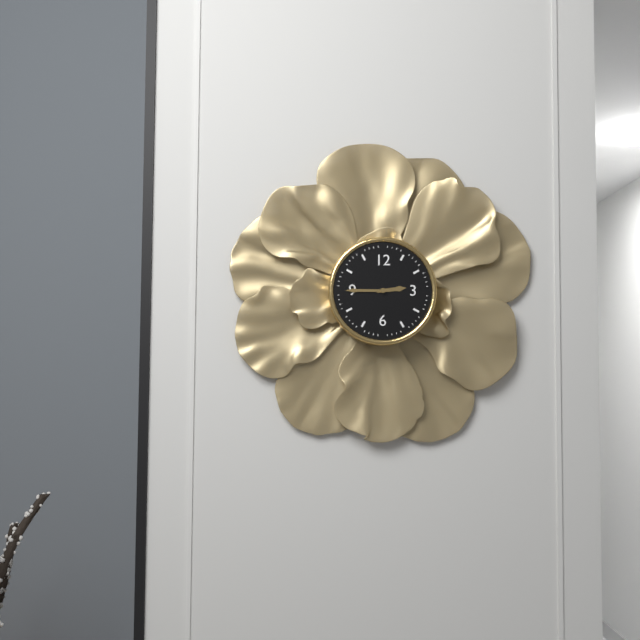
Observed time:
h=2 m=45
